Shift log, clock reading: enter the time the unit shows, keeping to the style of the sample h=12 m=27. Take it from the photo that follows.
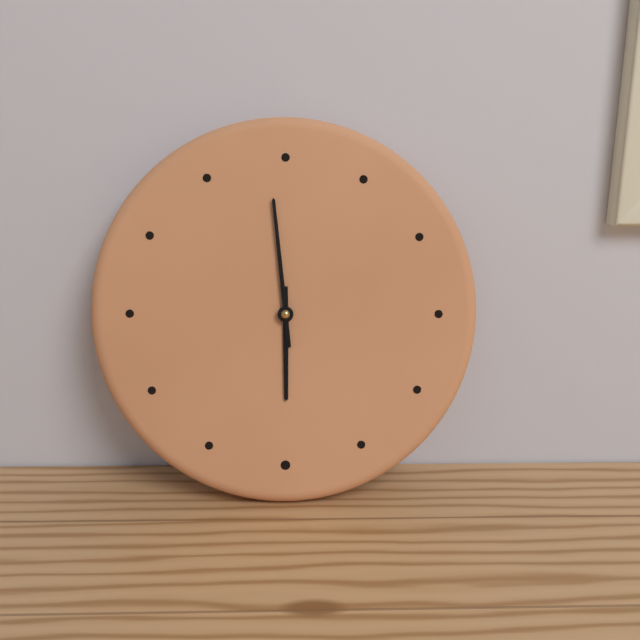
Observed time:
h=5 m=59
